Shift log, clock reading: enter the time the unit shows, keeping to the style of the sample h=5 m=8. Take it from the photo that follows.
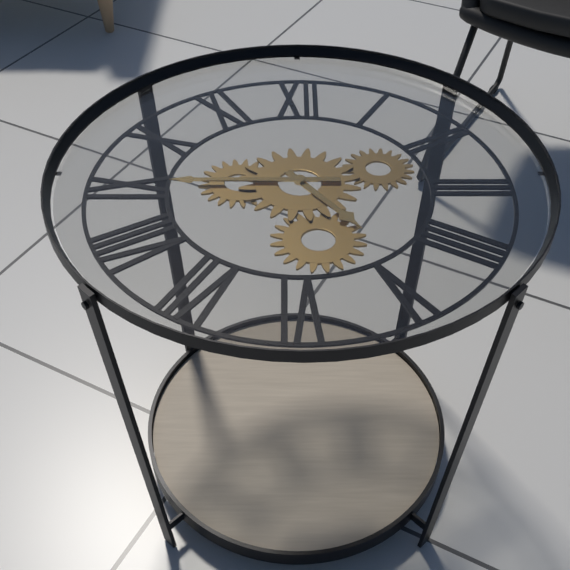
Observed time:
h=4 m=45
